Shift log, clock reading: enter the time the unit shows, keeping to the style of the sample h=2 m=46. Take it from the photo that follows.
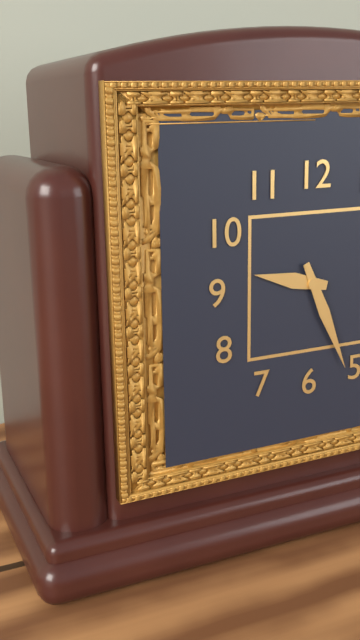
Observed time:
h=9 m=26
